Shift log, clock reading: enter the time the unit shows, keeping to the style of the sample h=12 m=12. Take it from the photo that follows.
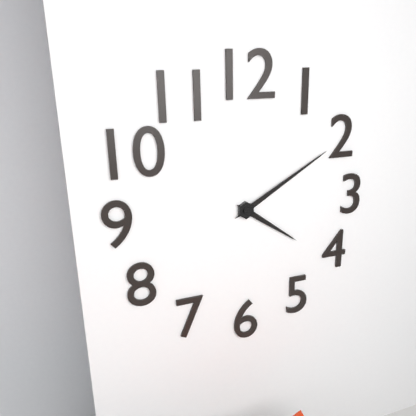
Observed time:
h=4 m=10
